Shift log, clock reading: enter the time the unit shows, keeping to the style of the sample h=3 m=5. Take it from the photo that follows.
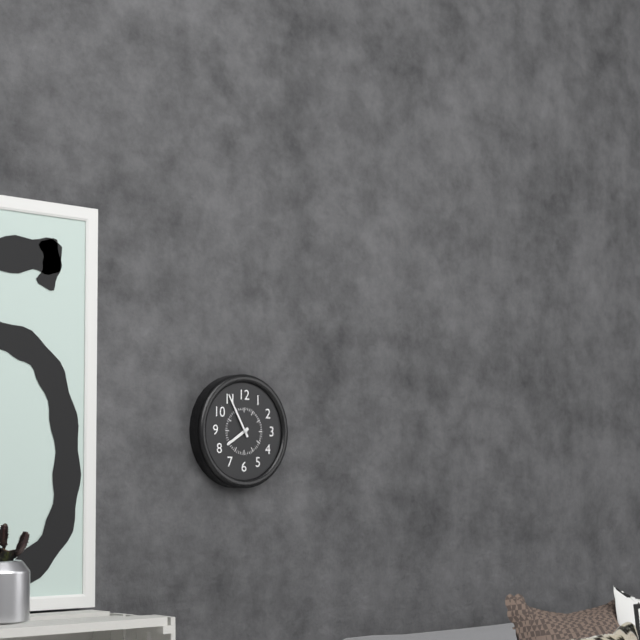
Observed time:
h=7 m=55
